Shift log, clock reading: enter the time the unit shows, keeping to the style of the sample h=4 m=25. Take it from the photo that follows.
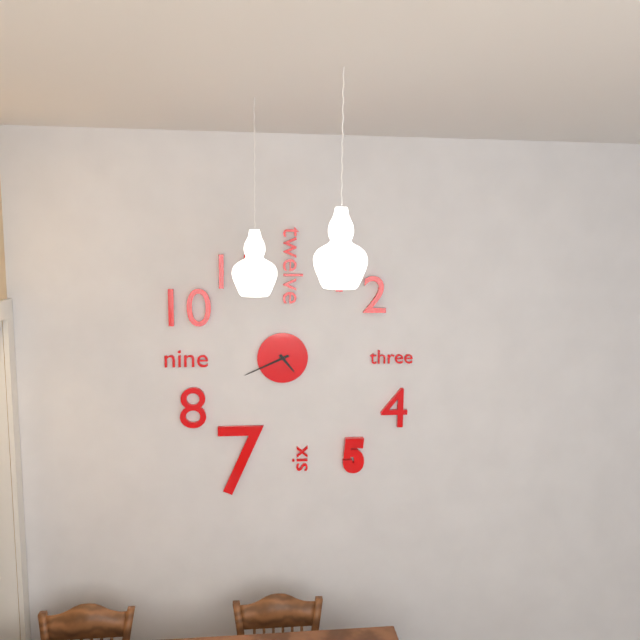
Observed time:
h=4 m=41
